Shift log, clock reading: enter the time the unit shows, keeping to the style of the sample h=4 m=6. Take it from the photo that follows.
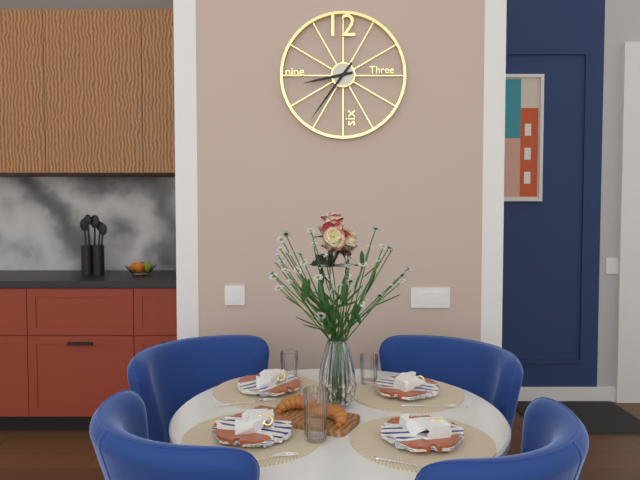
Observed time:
h=8 m=36
